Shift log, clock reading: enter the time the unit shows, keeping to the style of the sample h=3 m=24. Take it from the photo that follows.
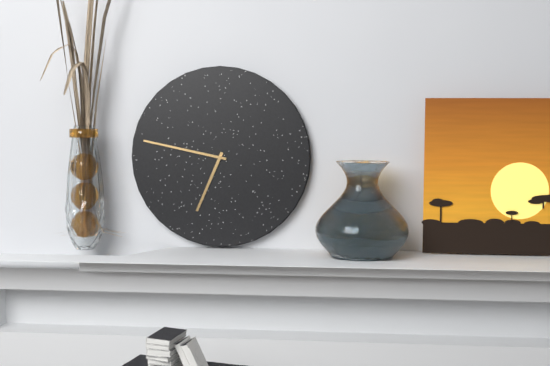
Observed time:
h=6 m=47
